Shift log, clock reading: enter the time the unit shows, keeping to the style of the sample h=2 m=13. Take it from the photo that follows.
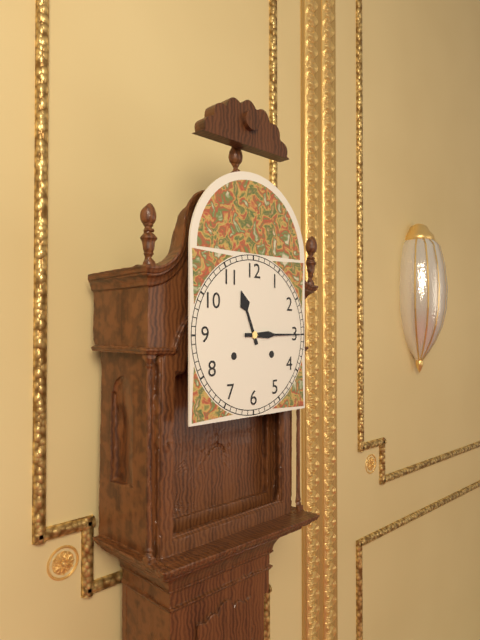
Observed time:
h=11 m=15
